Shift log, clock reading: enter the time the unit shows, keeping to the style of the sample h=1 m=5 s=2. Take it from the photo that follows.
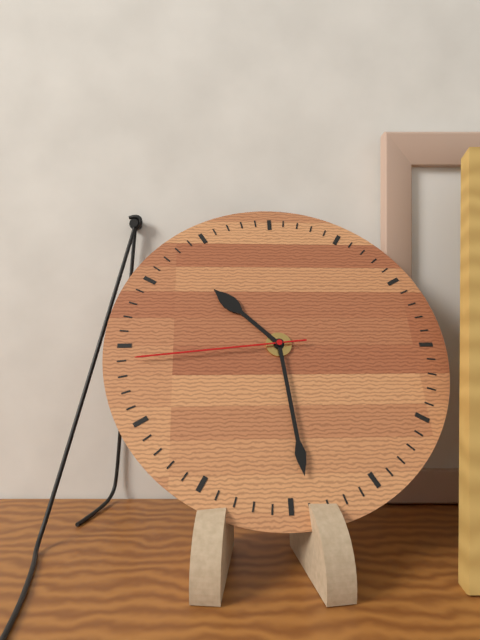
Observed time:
h=10 m=29 s=44
